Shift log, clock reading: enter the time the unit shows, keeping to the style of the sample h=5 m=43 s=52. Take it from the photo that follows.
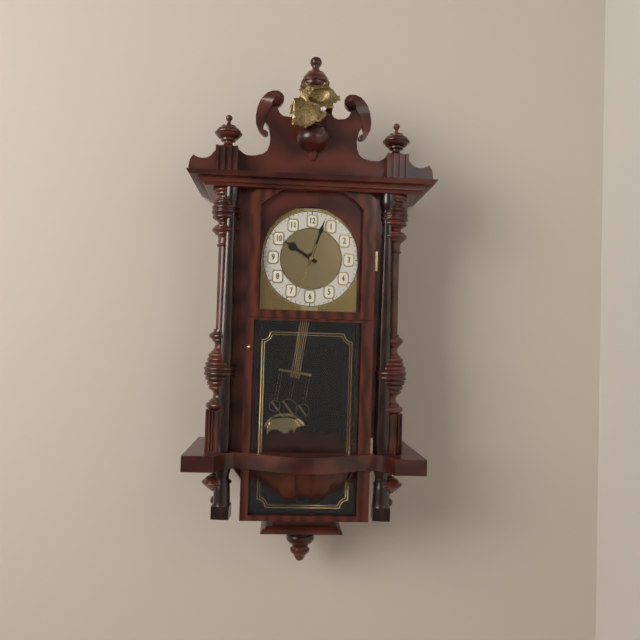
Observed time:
h=10 m=3 s=33
